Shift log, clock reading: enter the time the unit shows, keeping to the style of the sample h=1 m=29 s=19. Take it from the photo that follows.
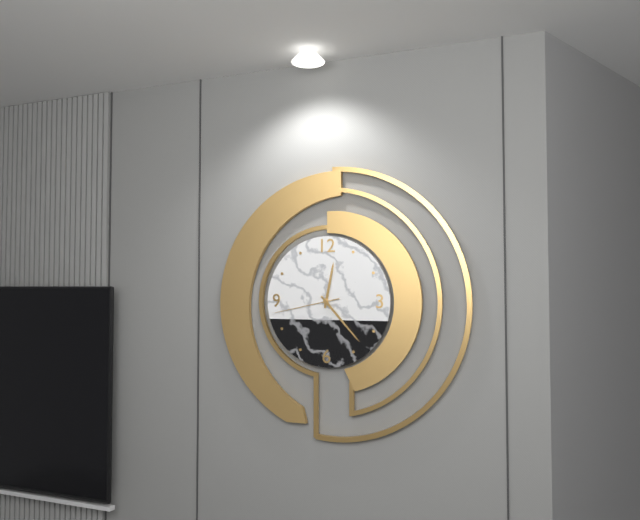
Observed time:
h=12 m=23 s=43
